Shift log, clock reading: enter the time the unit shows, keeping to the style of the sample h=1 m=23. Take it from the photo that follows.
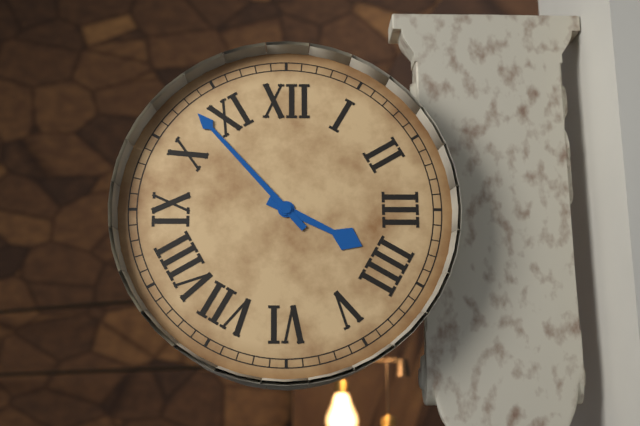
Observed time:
h=3 m=53
